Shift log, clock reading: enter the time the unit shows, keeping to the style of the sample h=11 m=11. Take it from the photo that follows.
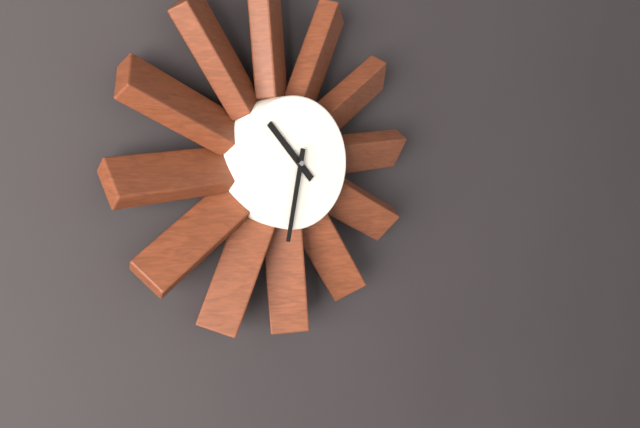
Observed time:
h=10 m=32
